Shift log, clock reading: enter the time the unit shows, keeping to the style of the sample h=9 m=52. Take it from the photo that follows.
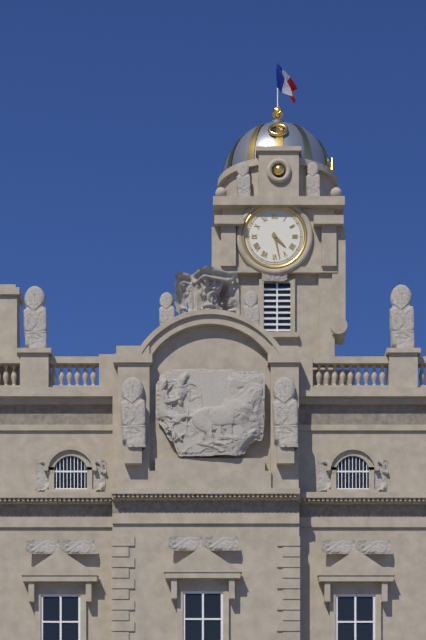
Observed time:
h=4 m=28
